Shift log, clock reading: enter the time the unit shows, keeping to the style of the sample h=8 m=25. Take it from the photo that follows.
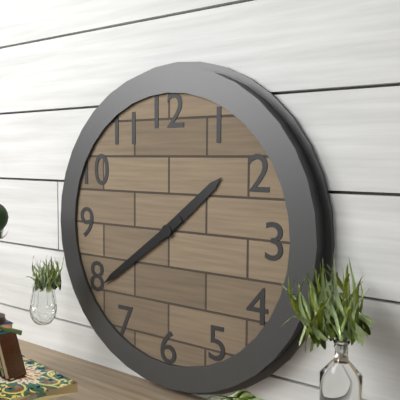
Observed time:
h=1 m=39
